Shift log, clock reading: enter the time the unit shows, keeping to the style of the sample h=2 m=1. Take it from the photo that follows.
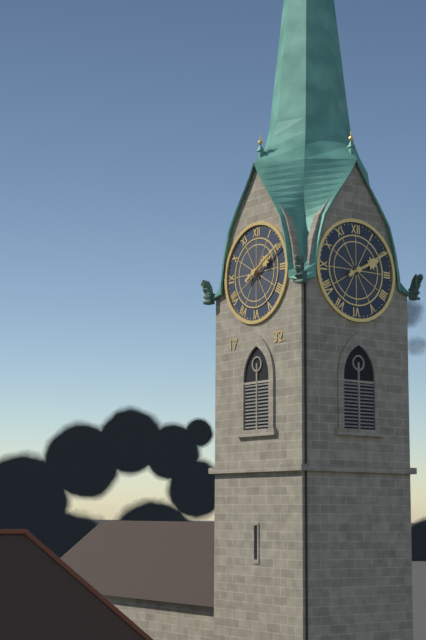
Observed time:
h=2 m=10
